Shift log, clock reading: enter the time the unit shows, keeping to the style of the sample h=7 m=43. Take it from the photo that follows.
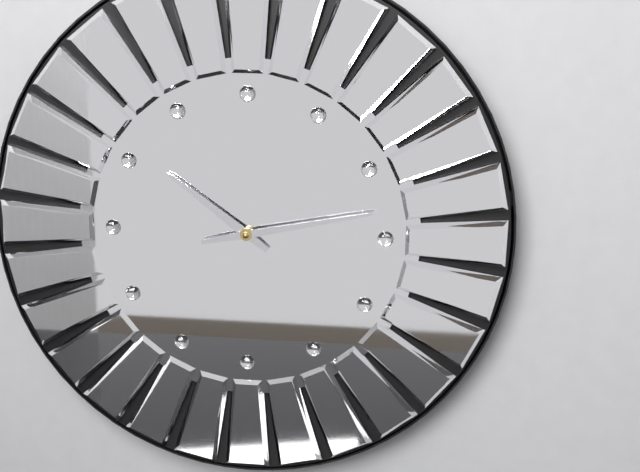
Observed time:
h=10 m=13
